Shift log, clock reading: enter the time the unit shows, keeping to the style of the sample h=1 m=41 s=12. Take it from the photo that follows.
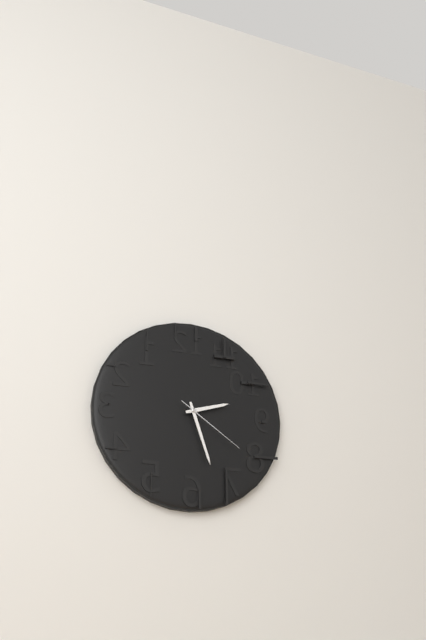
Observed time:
h=2 m=27 s=21
